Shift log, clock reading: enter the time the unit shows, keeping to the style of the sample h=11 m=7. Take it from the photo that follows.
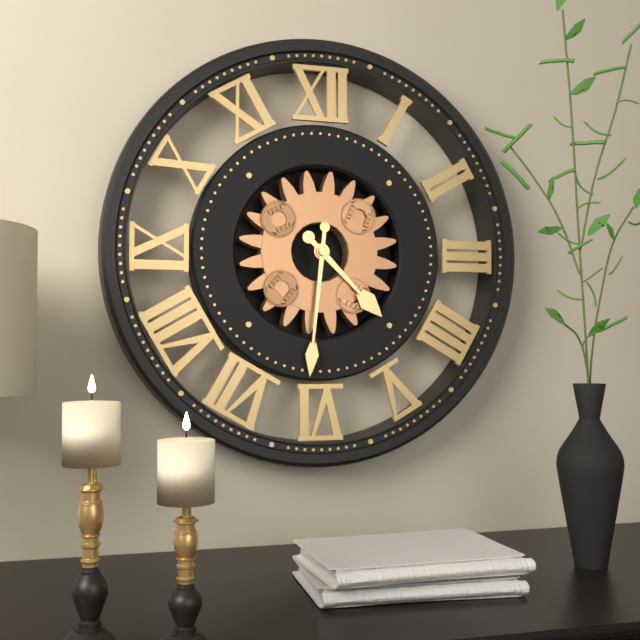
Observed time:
h=4 m=31
